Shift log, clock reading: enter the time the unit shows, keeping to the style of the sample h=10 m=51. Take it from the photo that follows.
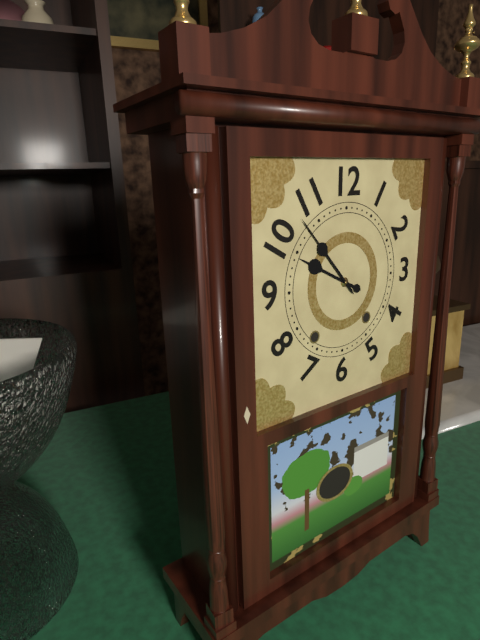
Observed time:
h=9 m=53
